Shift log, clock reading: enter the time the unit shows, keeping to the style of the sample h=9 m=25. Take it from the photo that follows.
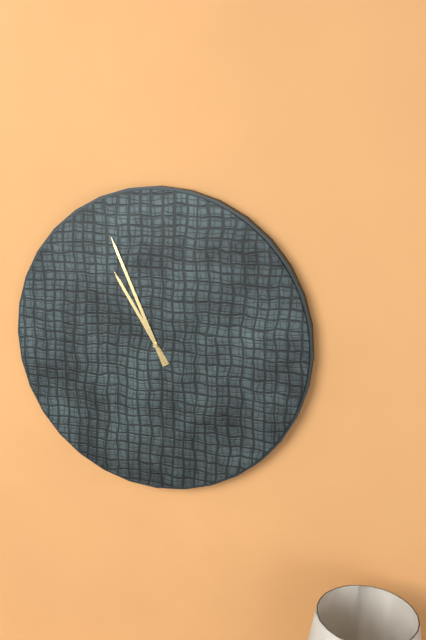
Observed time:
h=10 m=56
